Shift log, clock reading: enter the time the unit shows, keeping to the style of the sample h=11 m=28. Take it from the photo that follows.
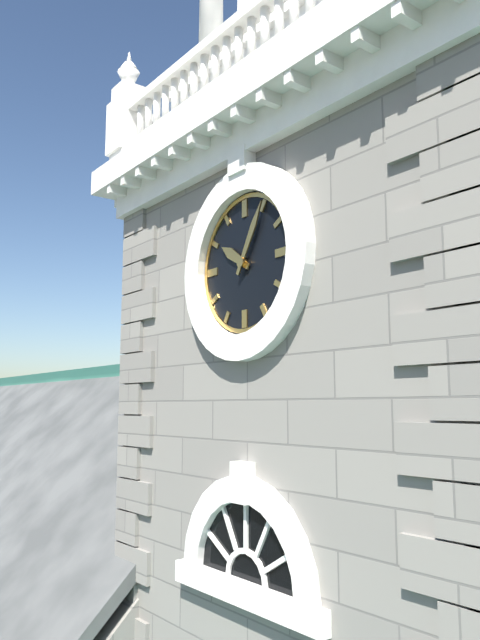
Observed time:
h=10 m=5
